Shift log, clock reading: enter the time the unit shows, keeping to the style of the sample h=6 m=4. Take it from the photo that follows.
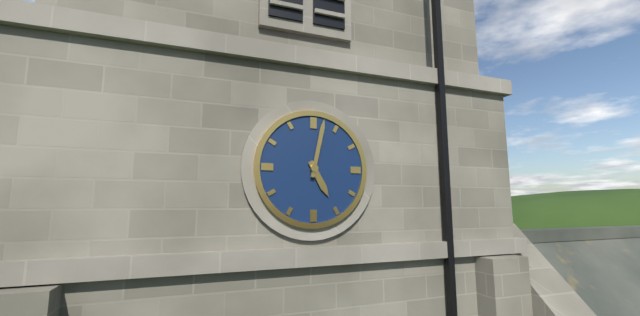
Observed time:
h=5 m=2
